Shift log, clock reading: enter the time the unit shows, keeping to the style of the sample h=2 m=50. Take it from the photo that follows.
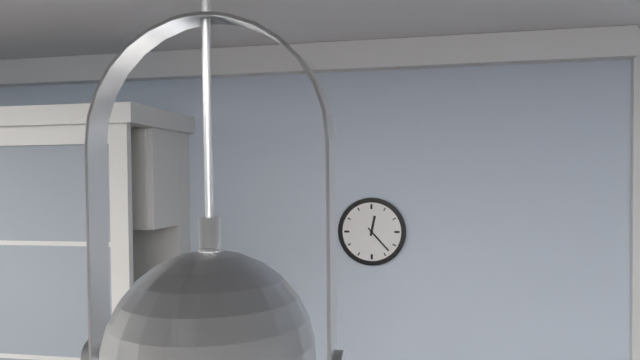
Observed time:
h=12 m=23
